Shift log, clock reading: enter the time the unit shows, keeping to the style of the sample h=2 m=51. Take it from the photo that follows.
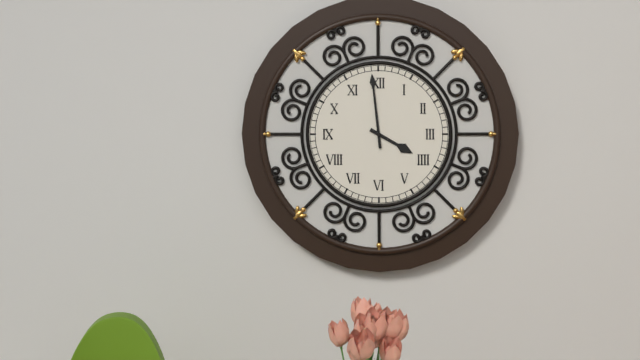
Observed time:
h=3 m=59
